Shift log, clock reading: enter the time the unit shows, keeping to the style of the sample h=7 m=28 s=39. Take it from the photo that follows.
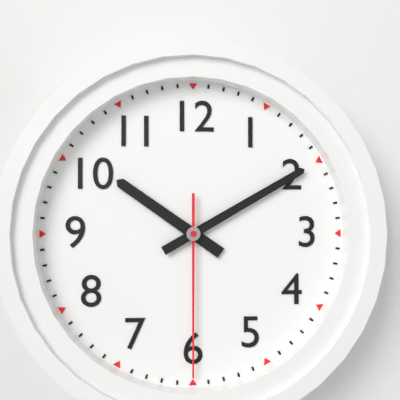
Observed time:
h=10 m=10 s=30
